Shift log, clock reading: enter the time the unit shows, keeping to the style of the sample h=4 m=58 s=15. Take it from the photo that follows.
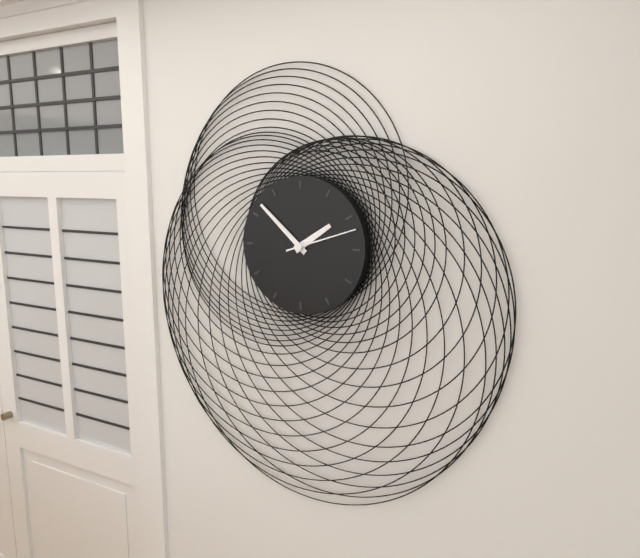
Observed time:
h=1 m=52 s=12
